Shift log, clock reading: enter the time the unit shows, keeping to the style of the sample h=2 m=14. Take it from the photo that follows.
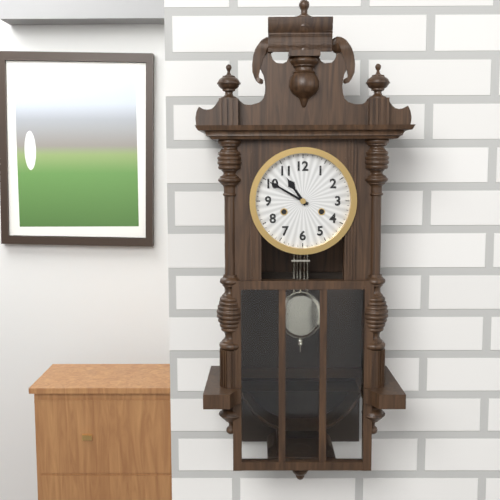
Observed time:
h=10 m=50
